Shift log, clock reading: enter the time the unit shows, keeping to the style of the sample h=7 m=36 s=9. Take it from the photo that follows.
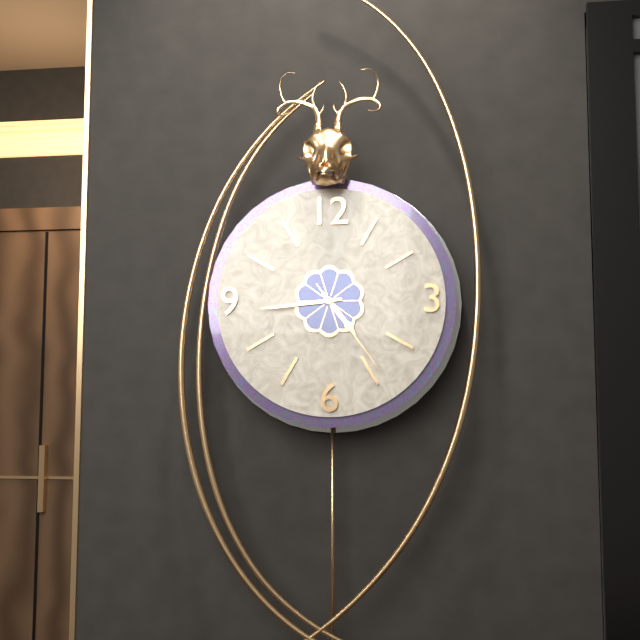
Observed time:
h=4 m=44 s=24
